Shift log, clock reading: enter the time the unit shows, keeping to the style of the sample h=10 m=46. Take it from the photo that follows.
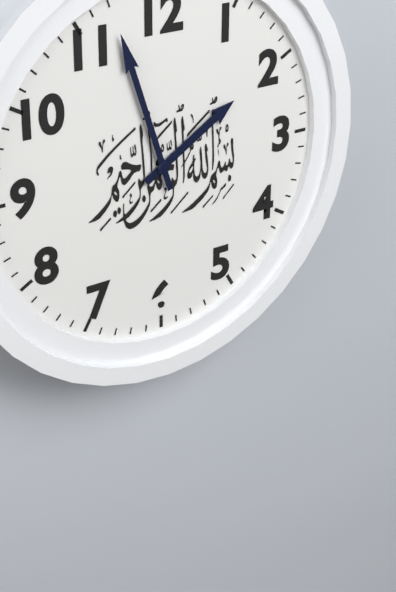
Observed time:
h=1 m=57
